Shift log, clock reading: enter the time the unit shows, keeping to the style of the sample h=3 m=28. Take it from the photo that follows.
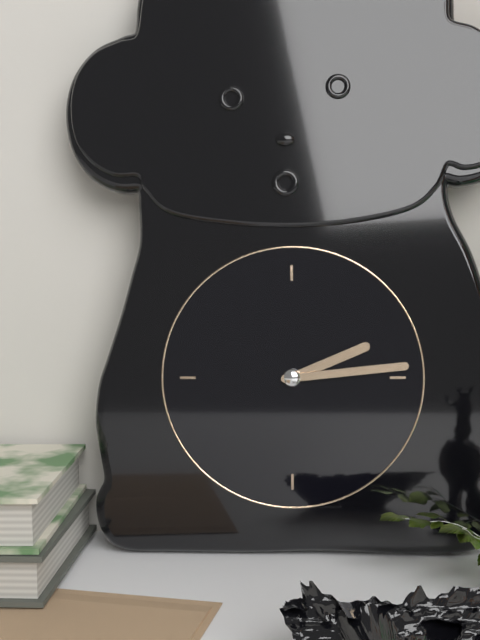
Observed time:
h=2 m=14
